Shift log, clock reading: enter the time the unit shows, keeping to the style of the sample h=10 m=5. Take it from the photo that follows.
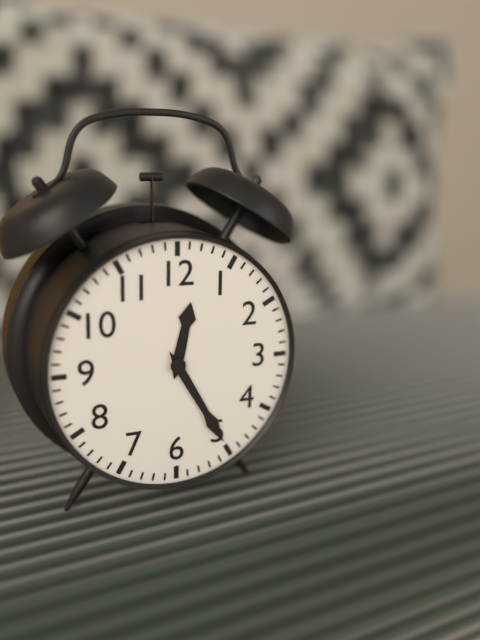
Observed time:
h=12 m=25
